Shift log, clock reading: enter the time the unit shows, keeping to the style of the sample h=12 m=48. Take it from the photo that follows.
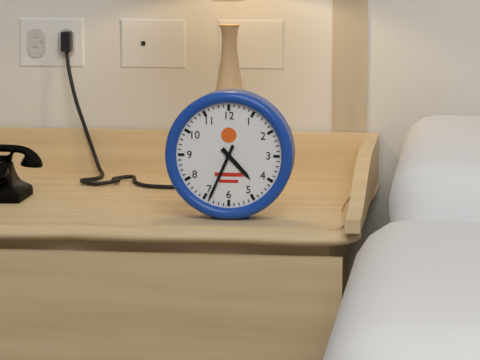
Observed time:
h=4 m=34
